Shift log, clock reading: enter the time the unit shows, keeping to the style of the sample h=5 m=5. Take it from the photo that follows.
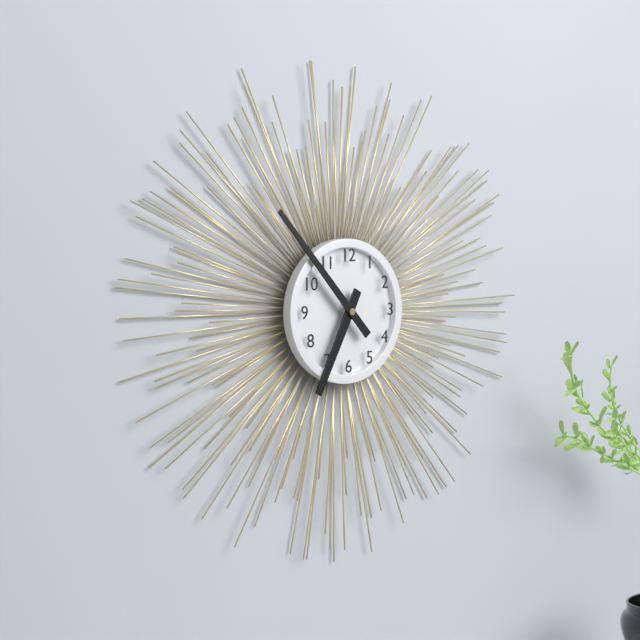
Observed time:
h=6 m=53
